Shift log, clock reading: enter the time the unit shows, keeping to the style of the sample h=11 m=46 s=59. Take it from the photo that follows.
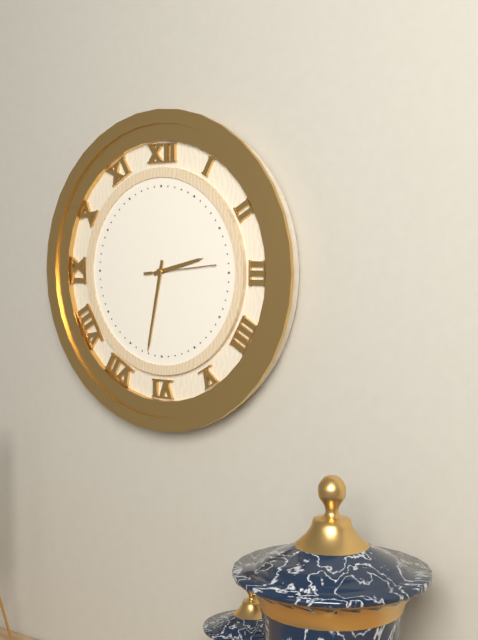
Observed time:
h=2 m=32 s=14
